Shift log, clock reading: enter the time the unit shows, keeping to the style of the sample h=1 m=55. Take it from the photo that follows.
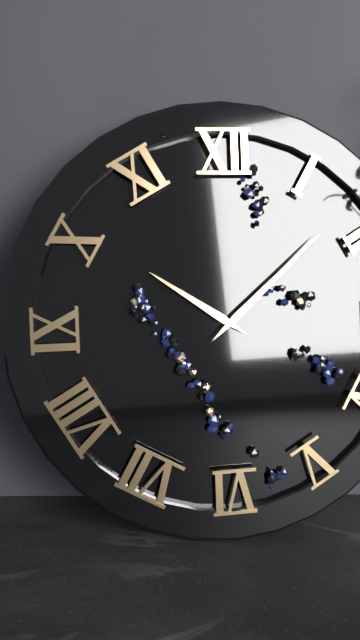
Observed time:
h=10 m=8
